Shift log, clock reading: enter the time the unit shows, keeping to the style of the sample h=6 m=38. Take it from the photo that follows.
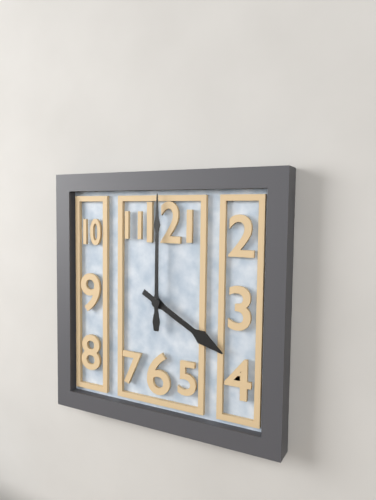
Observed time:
h=4 m=0
